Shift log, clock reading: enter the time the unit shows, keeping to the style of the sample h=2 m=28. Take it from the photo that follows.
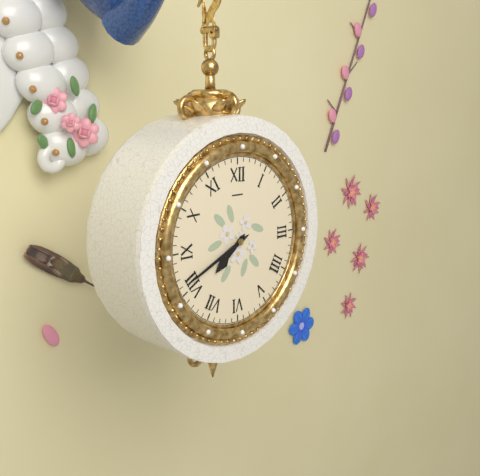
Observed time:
h=7 m=41
